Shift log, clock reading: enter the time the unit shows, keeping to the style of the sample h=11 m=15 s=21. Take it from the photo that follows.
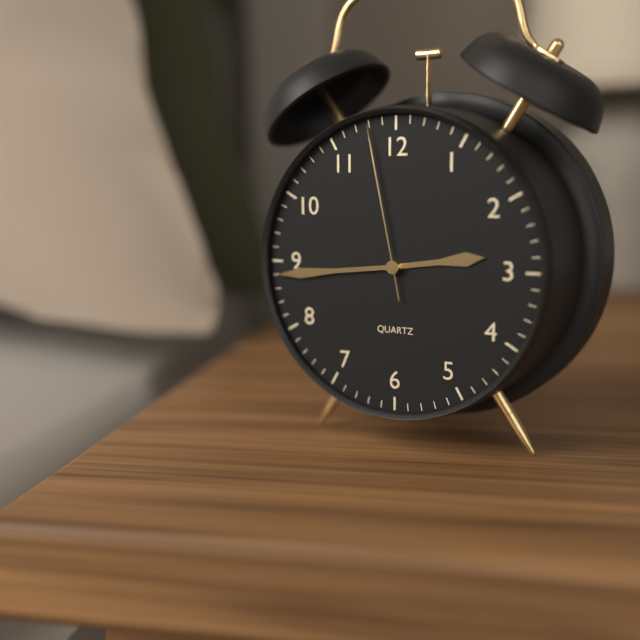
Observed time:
h=2 m=44 s=58
